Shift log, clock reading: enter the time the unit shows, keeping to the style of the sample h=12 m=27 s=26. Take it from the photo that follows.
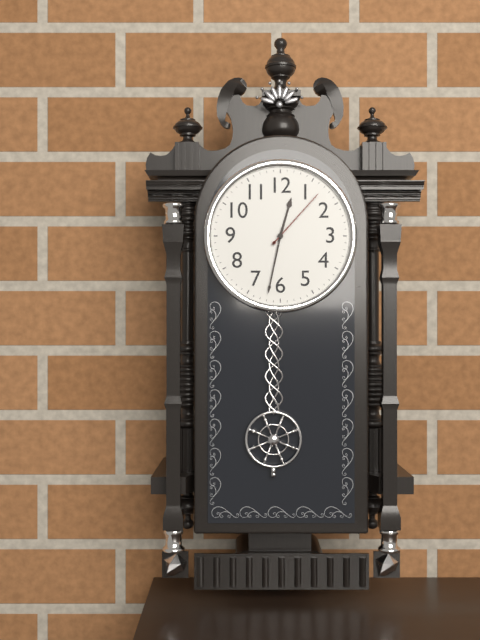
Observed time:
h=12 m=32 s=7
